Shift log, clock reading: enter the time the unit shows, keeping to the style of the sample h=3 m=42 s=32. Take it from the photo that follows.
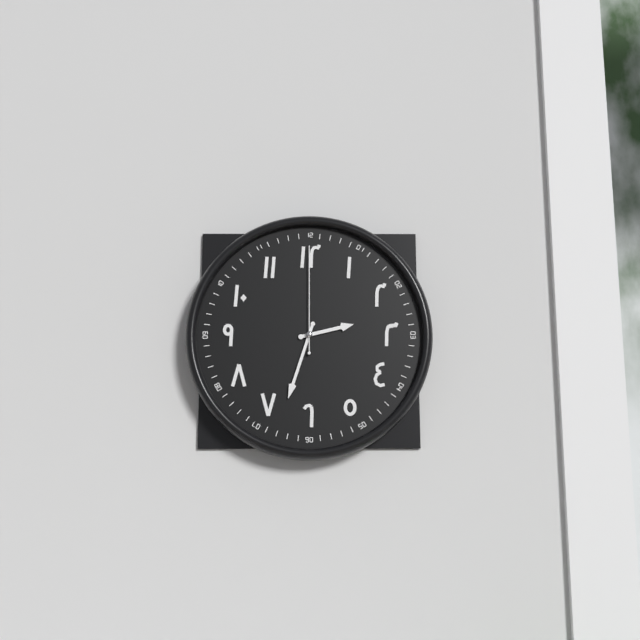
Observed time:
h=2 m=33 s=0
